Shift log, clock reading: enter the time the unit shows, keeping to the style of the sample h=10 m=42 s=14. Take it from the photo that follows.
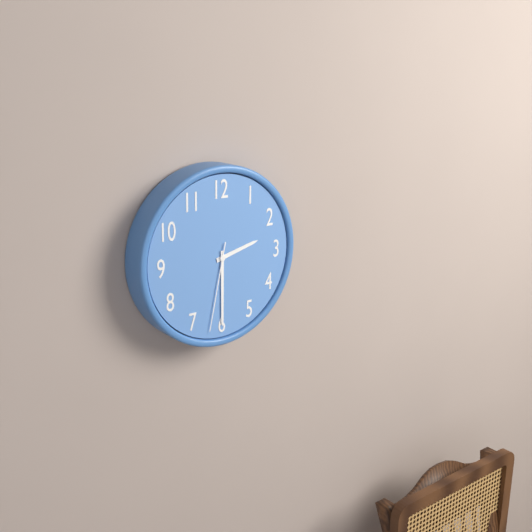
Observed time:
h=2 m=30 s=32
